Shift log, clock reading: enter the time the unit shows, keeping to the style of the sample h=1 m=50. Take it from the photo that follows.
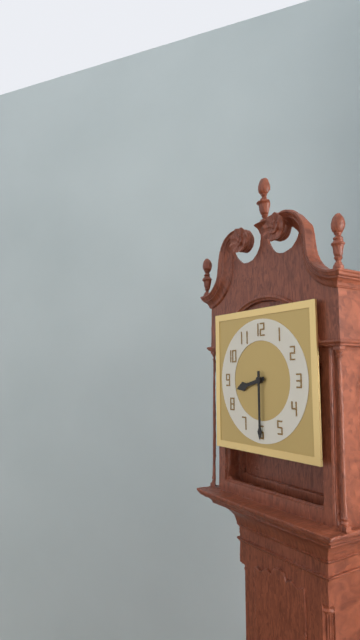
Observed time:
h=8 m=30
